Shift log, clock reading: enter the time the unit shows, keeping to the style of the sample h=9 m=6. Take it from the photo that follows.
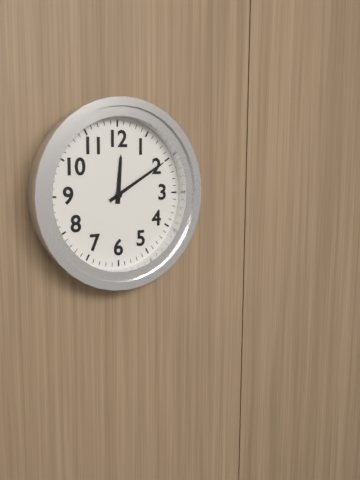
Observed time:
h=12 m=10
